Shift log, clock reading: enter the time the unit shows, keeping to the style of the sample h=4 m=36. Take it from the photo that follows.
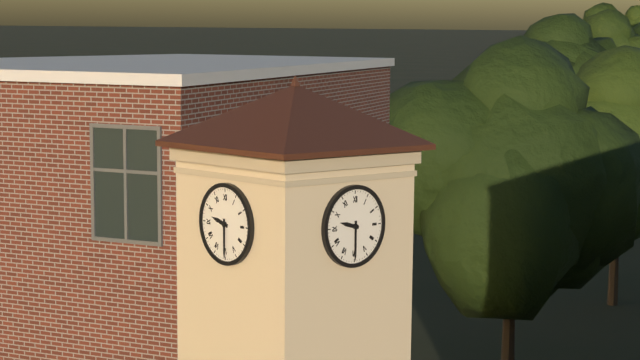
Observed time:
h=9 m=30
